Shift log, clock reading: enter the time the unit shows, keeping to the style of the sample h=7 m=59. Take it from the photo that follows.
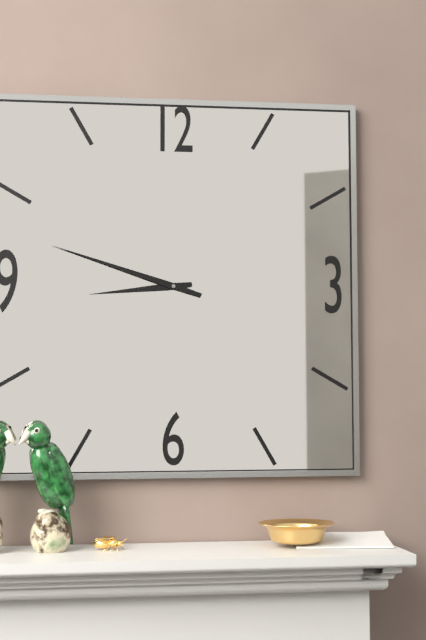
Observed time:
h=8 m=48
